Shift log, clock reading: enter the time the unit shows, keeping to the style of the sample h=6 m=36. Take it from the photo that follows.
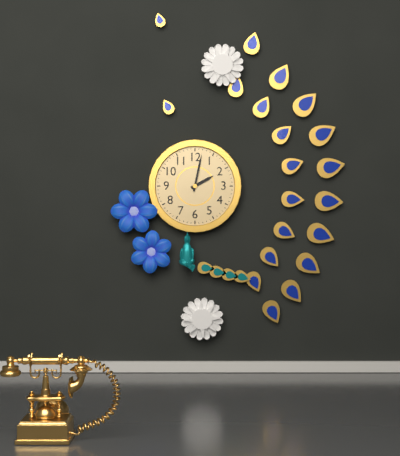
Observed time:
h=2 m=2
